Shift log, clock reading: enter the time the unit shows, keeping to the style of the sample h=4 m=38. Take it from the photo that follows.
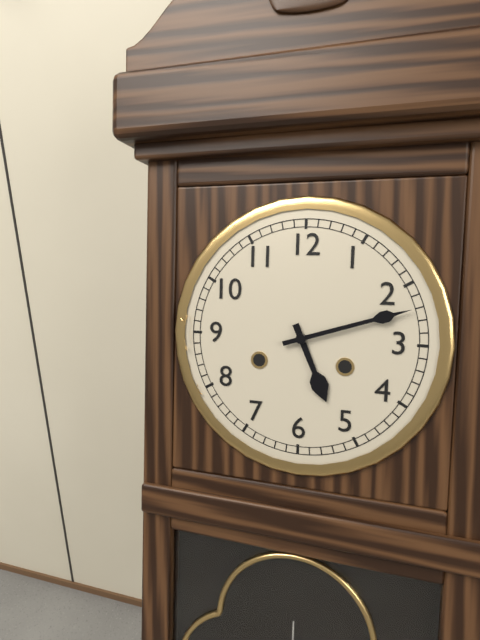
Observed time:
h=5 m=12
